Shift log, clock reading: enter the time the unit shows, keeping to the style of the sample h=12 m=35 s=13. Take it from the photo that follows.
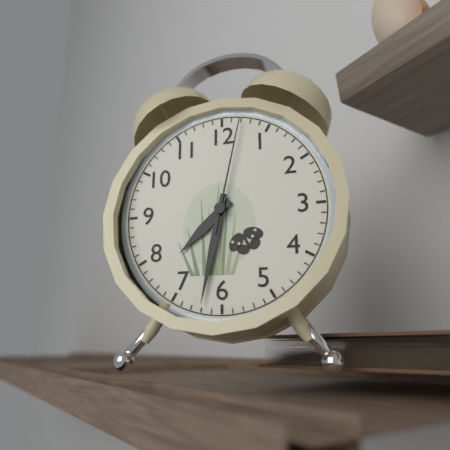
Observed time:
h=7 m=32 s=2
